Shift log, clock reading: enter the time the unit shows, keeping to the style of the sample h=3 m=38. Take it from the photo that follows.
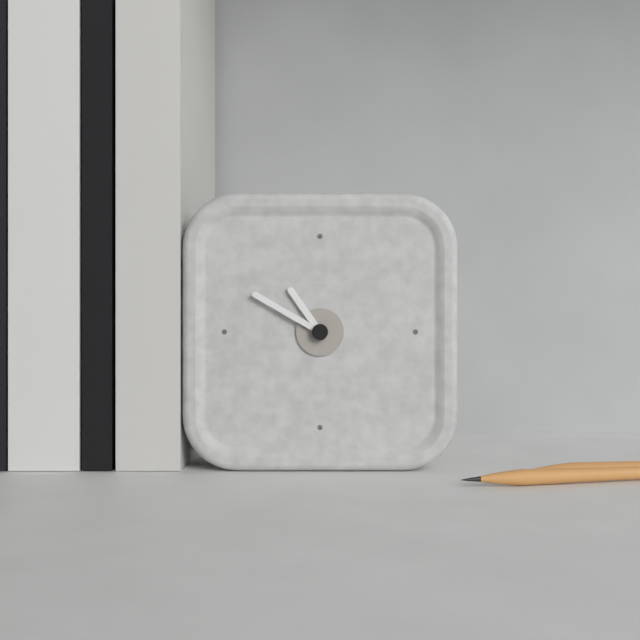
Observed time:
h=10 m=50
